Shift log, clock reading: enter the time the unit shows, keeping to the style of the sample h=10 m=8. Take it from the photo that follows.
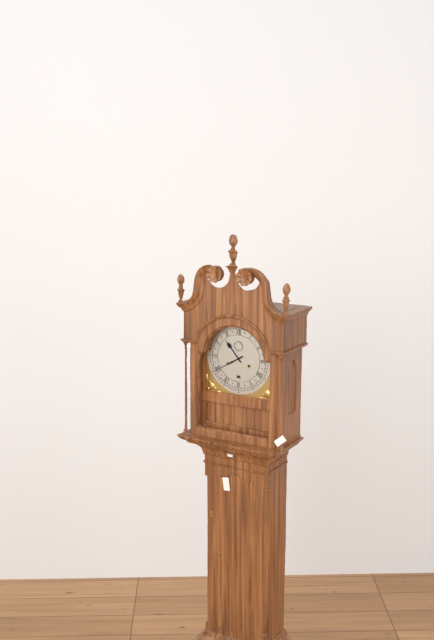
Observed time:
h=10 m=40
